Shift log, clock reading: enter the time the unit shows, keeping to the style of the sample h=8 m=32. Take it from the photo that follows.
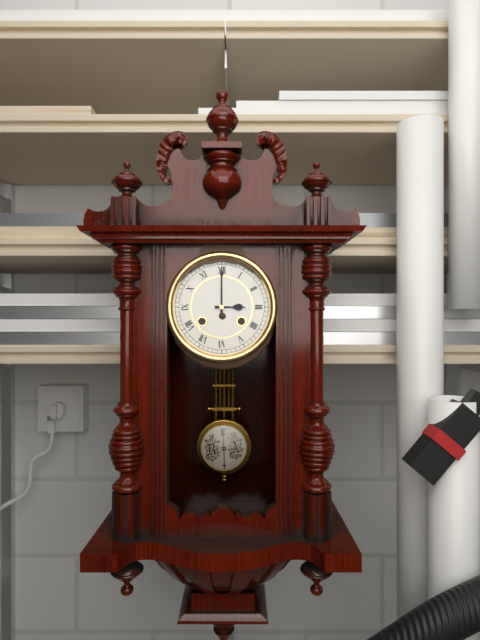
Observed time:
h=3 m=0
